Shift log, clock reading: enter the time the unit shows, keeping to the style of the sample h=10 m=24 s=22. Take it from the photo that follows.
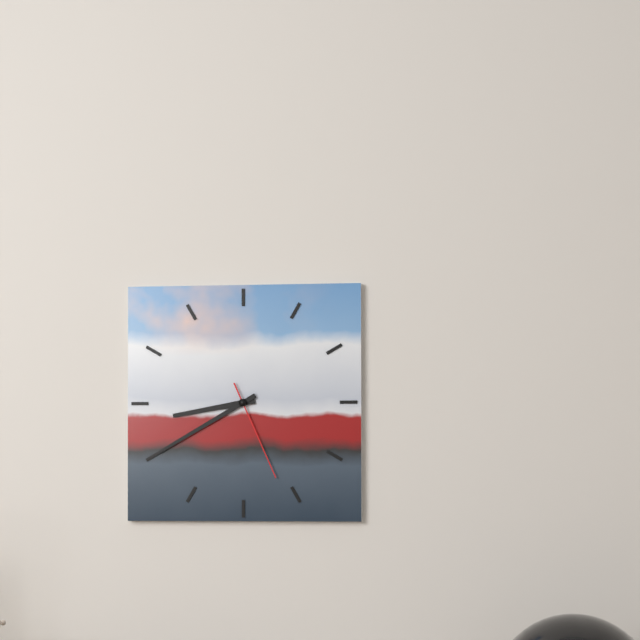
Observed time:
h=8 m=40 s=26
